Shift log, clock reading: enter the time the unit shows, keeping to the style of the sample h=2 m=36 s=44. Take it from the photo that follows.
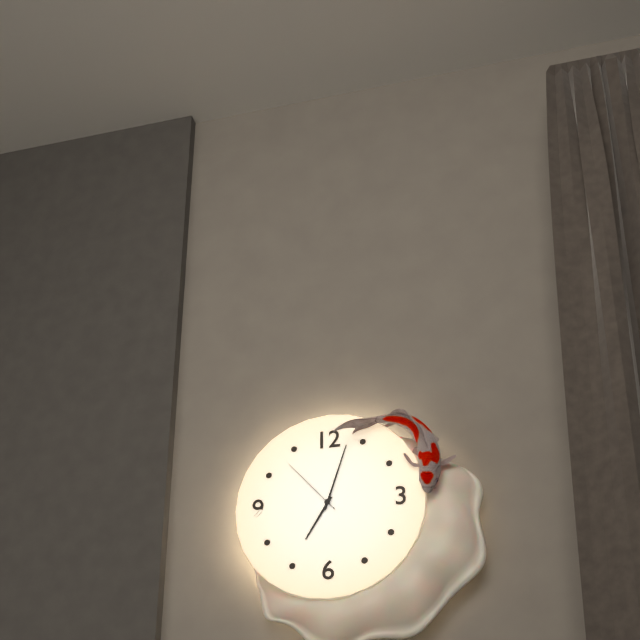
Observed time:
h=7 m=3 s=53
